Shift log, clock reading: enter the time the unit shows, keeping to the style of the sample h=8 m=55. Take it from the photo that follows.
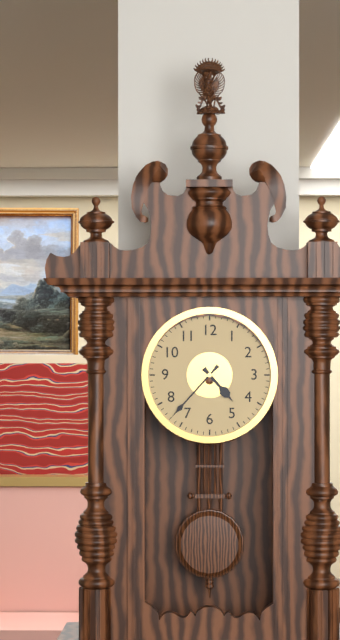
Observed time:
h=4 m=37
